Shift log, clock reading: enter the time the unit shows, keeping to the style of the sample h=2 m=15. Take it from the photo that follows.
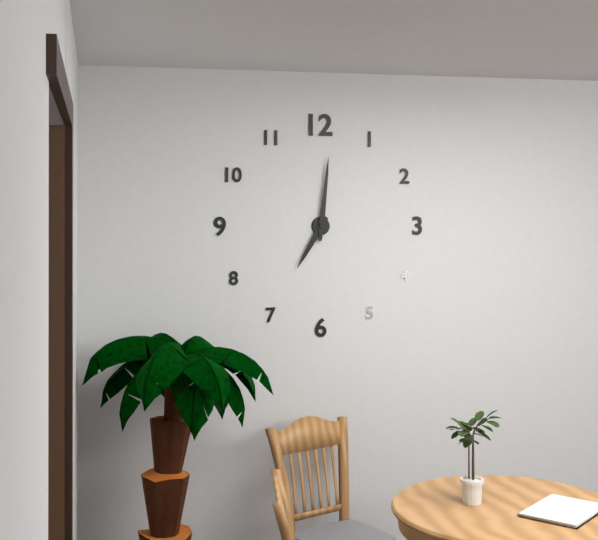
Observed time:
h=7 m=1
